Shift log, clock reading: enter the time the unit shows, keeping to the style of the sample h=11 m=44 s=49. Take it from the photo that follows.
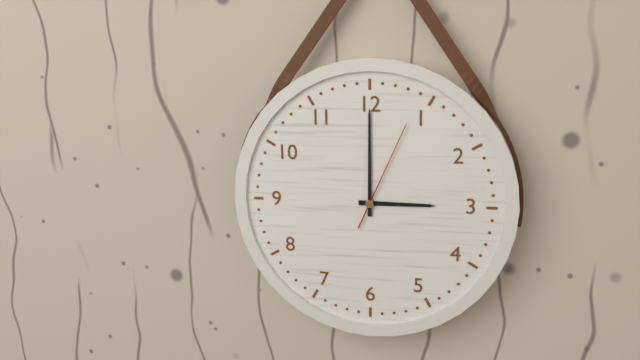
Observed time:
h=3 m=0 s=4
